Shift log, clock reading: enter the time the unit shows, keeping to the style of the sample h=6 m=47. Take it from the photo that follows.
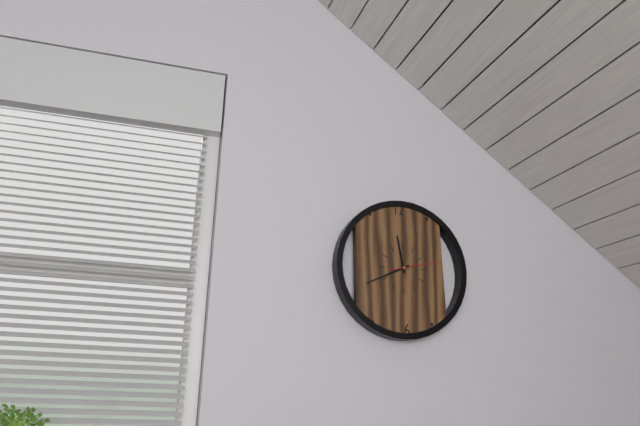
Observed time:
h=11 m=41
